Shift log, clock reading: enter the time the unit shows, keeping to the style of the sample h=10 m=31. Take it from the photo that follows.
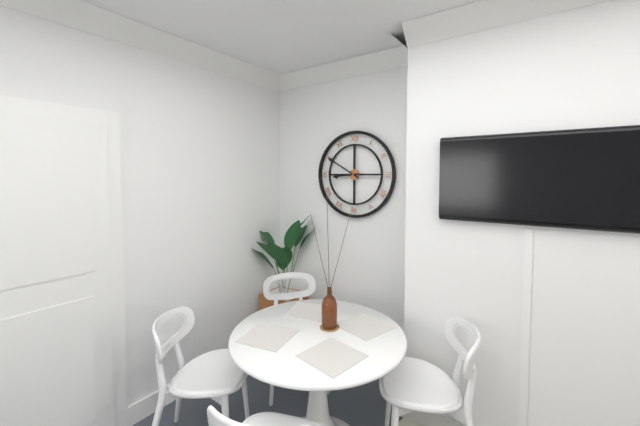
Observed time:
h=8 m=50
